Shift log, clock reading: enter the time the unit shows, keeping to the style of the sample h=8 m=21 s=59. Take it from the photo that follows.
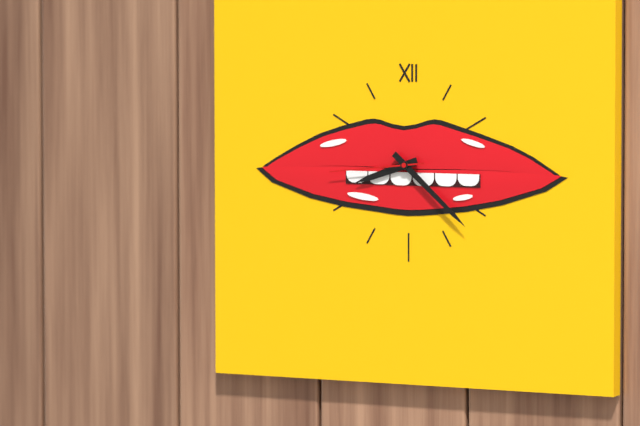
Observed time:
h=8 m=22 s=44
